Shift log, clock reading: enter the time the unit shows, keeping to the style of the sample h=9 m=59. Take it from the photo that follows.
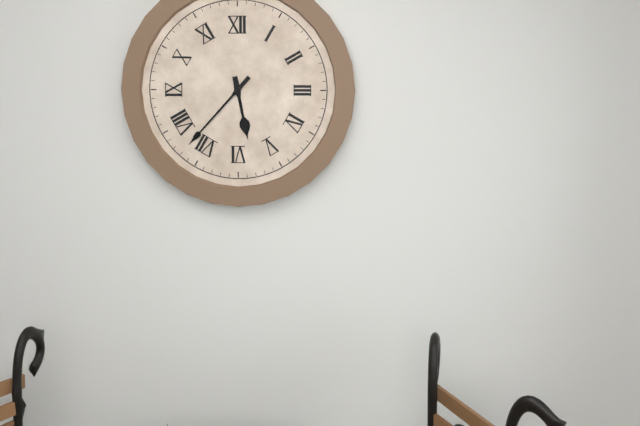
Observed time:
h=5 m=37
